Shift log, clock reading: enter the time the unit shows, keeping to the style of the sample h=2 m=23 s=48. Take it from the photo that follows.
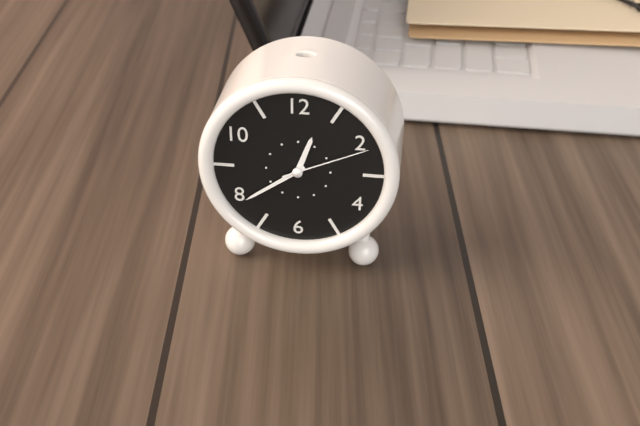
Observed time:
h=12 m=39 s=11
